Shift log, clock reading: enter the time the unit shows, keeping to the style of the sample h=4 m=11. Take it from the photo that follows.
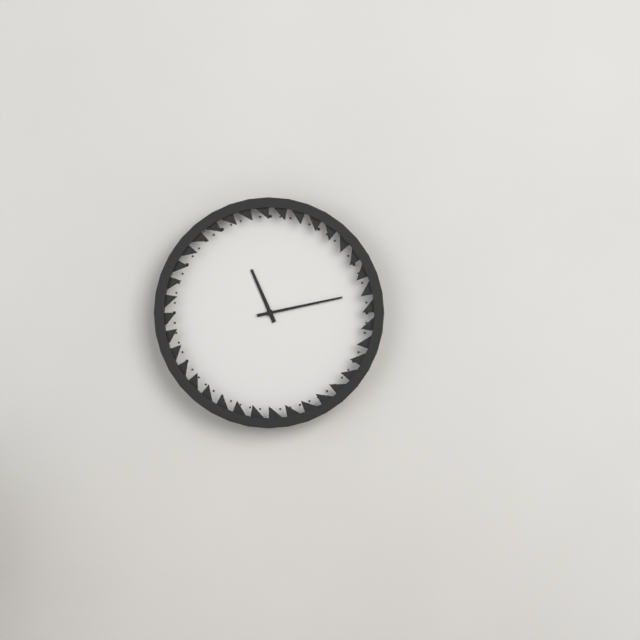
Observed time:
h=11 m=13
